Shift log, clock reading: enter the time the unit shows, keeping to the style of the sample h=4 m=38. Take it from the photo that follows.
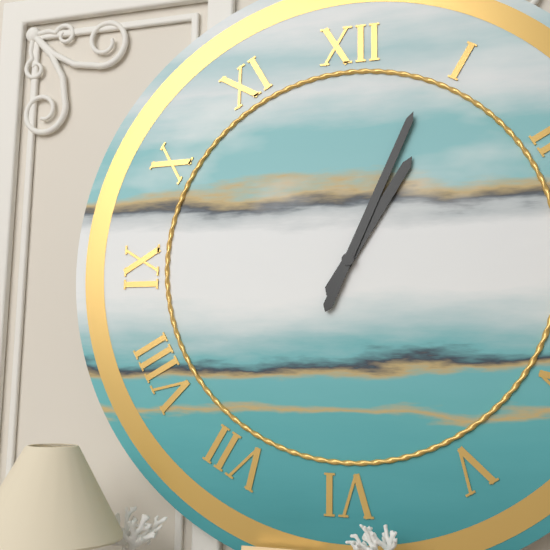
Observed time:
h=1 m=4
